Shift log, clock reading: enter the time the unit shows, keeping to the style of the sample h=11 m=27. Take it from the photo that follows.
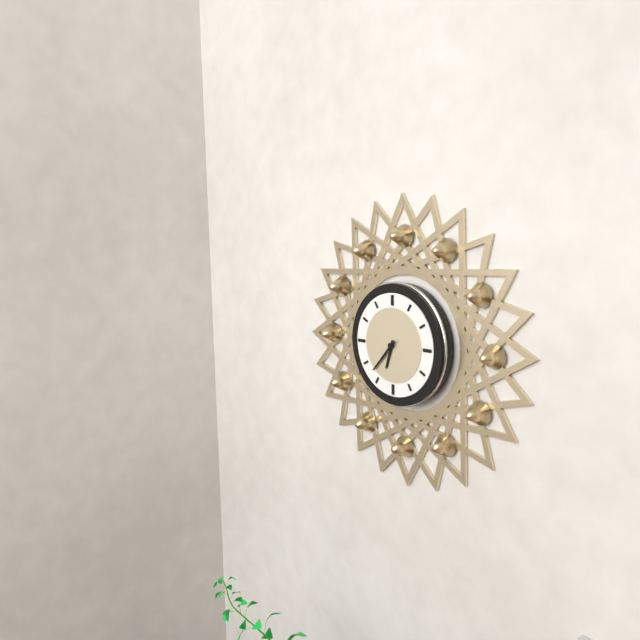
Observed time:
h=6 m=37
